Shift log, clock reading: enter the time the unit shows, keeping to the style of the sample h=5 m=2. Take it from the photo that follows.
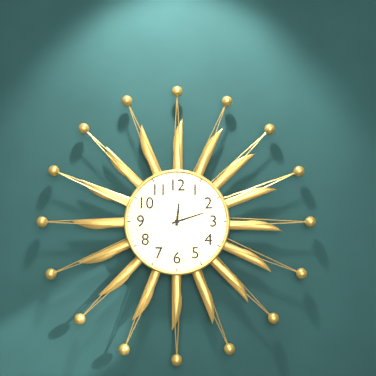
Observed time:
h=12 m=12
